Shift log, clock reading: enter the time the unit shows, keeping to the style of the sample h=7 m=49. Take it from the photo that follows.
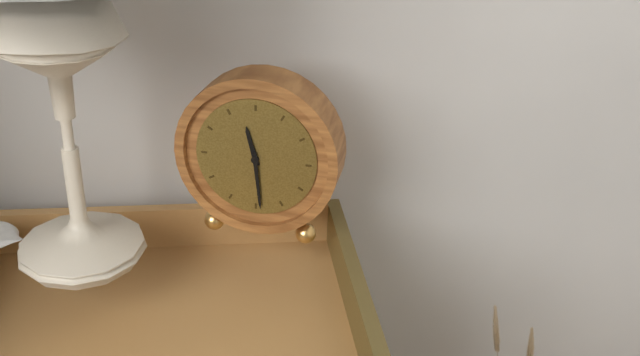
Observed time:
h=11 m=29
